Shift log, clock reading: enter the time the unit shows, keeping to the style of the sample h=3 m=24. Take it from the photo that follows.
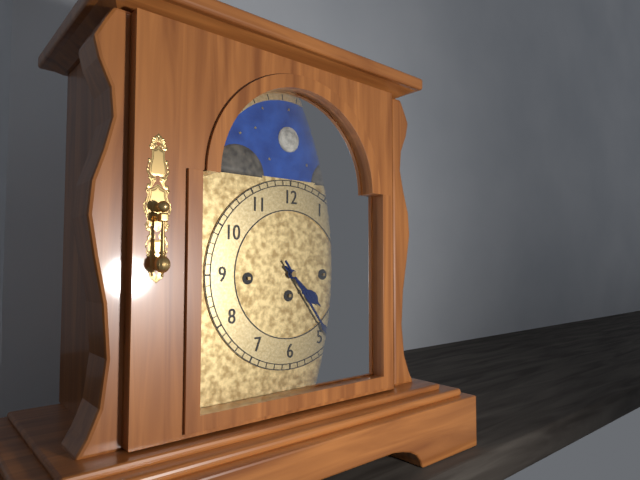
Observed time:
h=4 m=24
